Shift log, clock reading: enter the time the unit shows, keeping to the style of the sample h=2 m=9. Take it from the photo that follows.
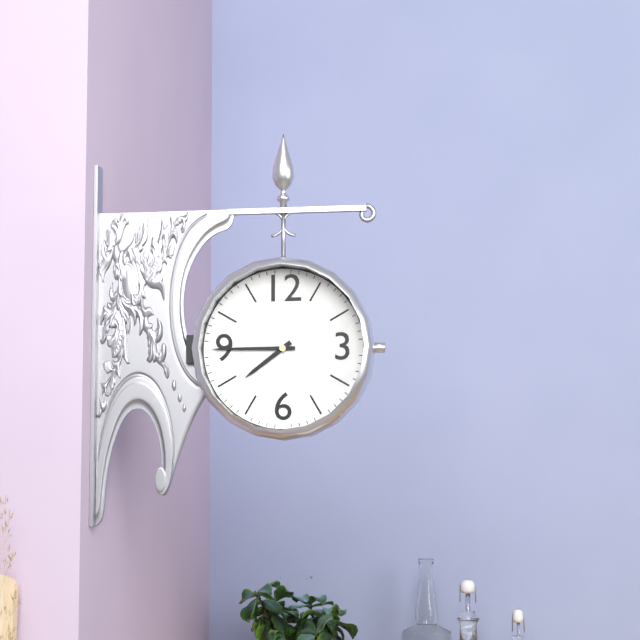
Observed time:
h=7 m=45
